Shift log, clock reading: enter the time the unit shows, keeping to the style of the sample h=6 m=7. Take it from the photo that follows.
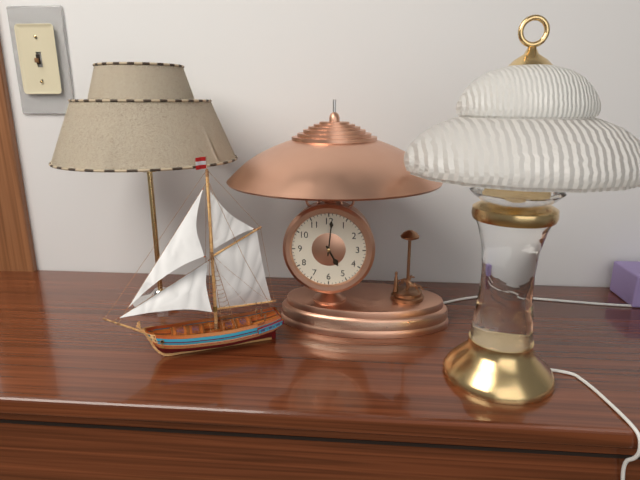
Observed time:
h=5 m=1
